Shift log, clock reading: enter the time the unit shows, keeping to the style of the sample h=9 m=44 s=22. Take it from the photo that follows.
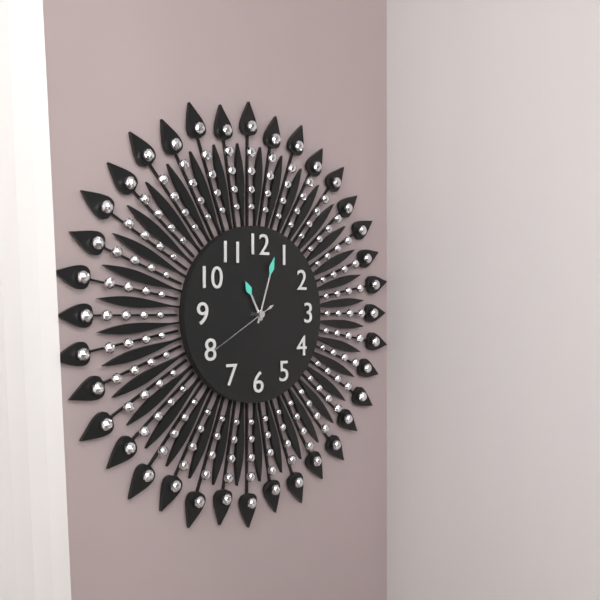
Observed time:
h=11 m=3 s=40
